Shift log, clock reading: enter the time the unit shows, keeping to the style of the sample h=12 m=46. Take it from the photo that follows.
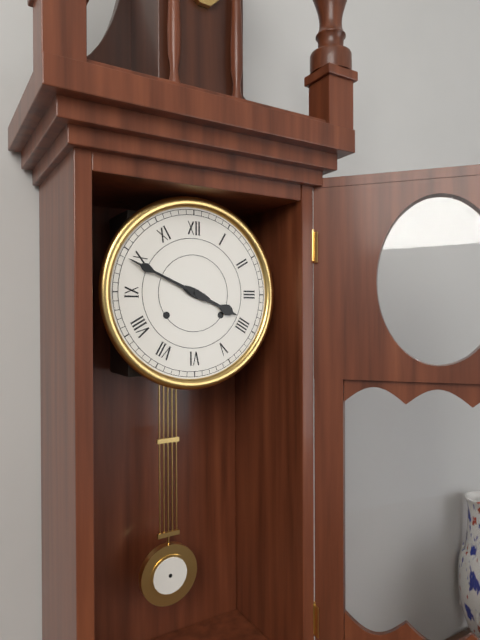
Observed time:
h=3 m=49
